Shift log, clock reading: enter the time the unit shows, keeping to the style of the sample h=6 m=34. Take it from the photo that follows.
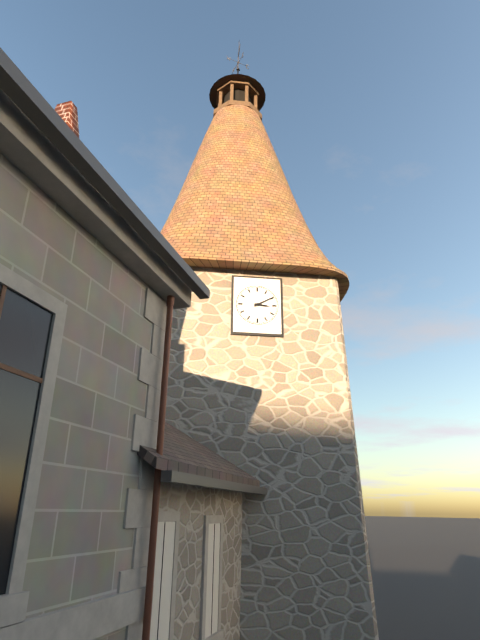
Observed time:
h=3 m=10
